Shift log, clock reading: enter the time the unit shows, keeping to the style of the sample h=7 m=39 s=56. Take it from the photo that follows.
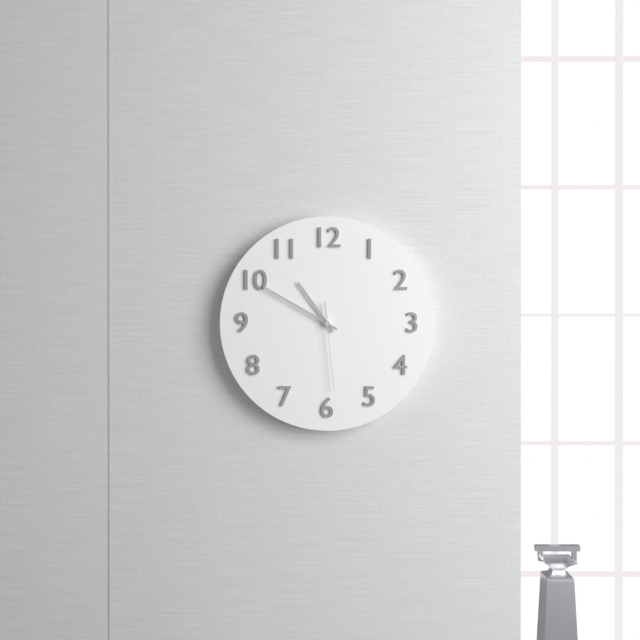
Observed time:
h=10 m=50 s=29
